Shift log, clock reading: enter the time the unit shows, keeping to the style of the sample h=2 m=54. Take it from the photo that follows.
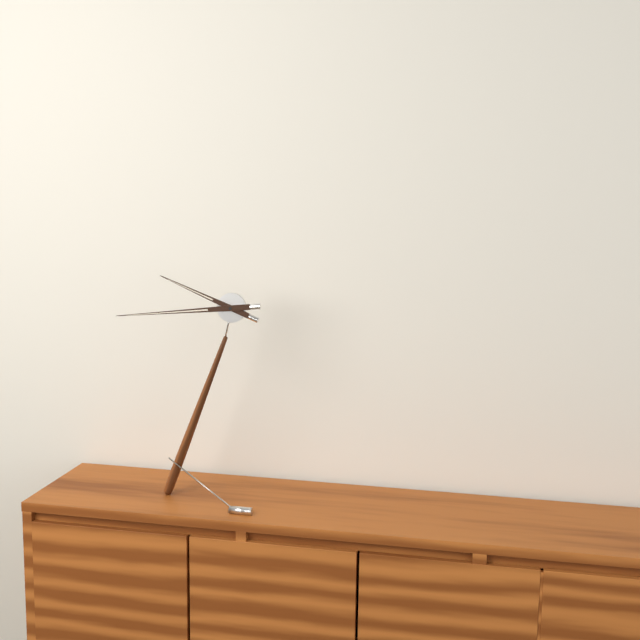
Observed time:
h=9 m=44
